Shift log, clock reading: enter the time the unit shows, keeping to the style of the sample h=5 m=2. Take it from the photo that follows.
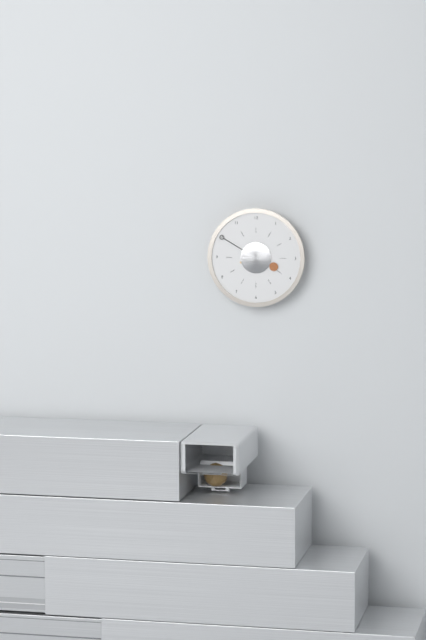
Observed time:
h=3 m=50
